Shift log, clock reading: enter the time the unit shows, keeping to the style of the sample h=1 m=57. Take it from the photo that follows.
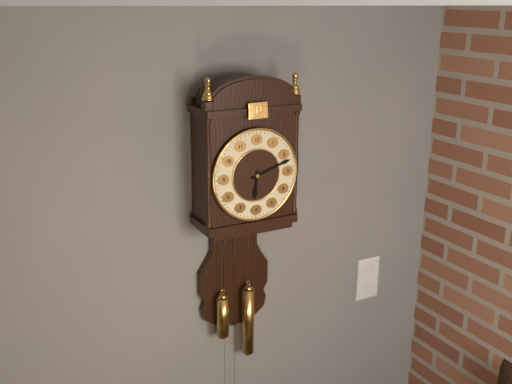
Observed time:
h=6 m=12
